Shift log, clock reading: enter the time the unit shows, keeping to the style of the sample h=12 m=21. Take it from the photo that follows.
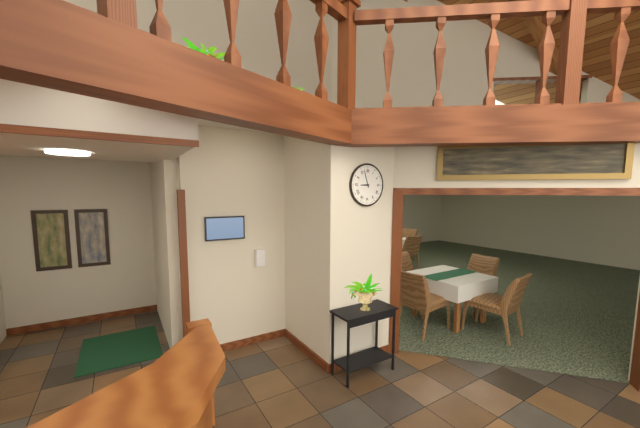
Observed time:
h=8 m=57
